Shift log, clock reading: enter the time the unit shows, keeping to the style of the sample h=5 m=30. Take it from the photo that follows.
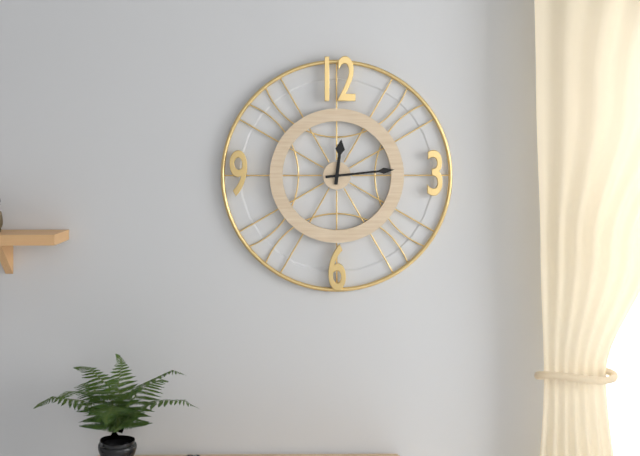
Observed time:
h=12 m=14
